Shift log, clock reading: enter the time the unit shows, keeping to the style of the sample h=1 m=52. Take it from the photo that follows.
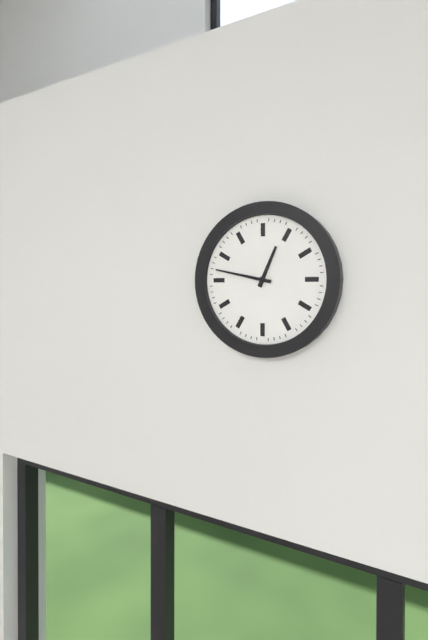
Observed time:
h=12 m=47
